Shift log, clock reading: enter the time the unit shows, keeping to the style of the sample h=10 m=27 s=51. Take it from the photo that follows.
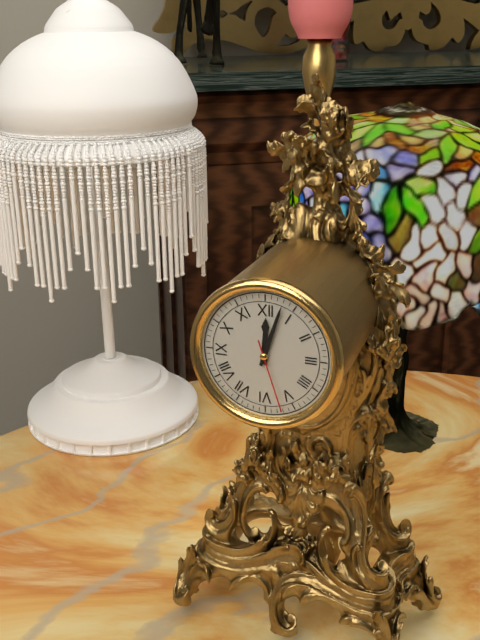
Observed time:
h=12 m=3 s=27
